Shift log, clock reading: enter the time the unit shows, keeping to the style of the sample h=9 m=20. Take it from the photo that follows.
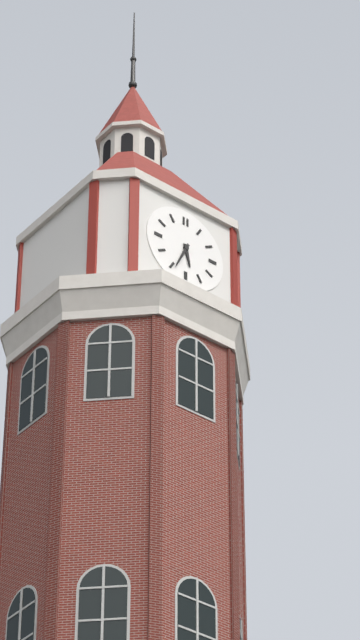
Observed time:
h=5 m=34
